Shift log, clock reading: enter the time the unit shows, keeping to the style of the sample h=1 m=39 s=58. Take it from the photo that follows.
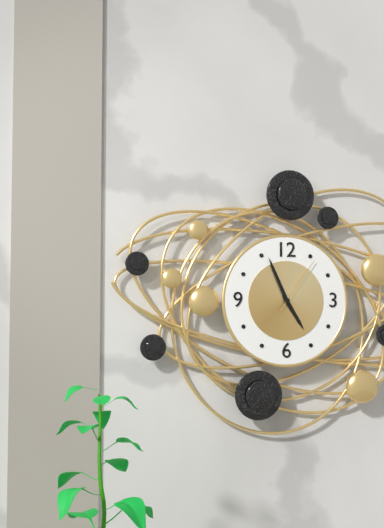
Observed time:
h=4 m=56 s=6
